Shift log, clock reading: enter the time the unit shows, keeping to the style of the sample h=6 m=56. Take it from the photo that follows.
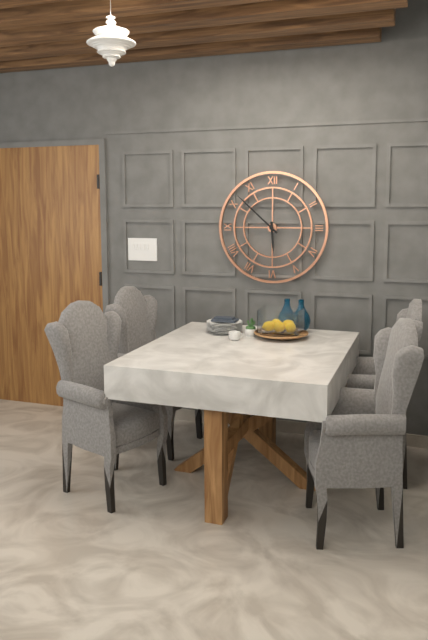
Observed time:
h=5 m=52
